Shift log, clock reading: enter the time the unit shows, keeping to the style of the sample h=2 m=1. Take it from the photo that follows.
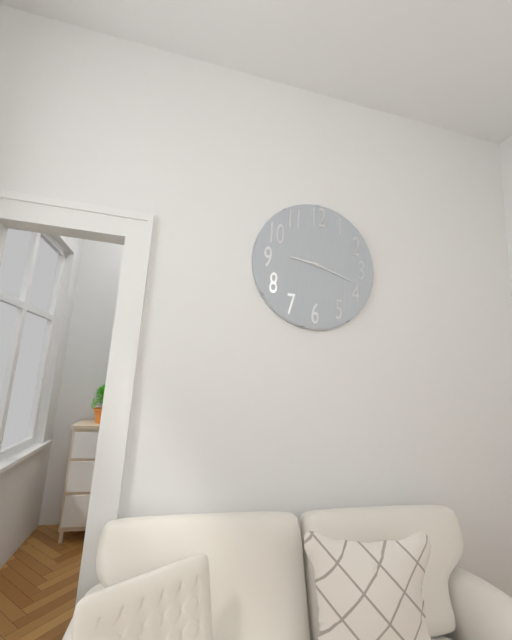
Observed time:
h=9 m=18
